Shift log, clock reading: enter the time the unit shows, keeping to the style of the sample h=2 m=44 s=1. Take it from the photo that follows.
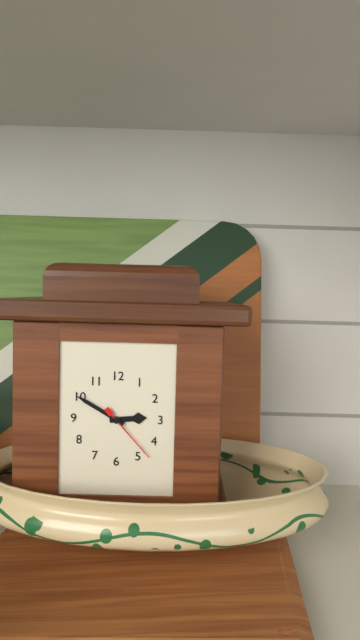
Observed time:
h=2 m=50 s=23
